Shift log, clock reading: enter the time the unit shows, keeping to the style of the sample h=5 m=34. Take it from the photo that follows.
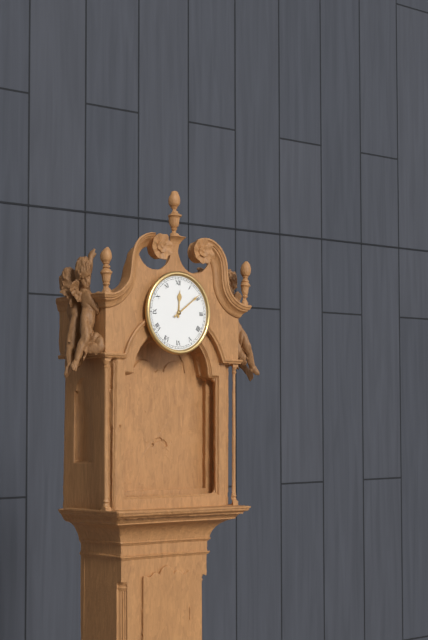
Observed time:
h=12 m=9
